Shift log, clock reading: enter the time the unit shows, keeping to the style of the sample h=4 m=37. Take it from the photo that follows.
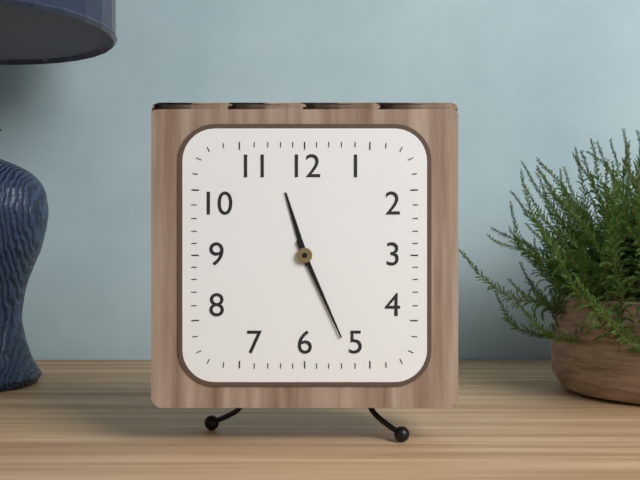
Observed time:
h=11 m=26
